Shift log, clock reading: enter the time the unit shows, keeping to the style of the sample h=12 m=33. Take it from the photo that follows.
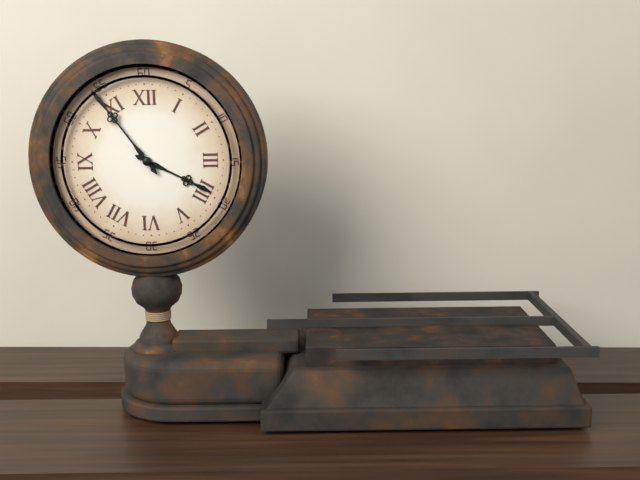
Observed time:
h=3 m=54
